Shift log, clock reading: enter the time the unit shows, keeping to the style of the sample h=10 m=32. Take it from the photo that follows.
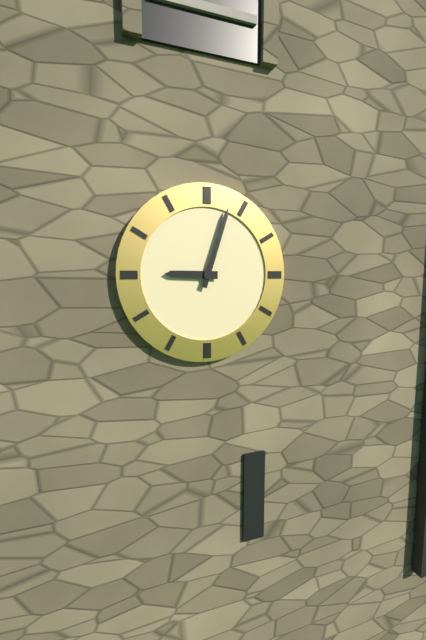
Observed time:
h=9 m=3
